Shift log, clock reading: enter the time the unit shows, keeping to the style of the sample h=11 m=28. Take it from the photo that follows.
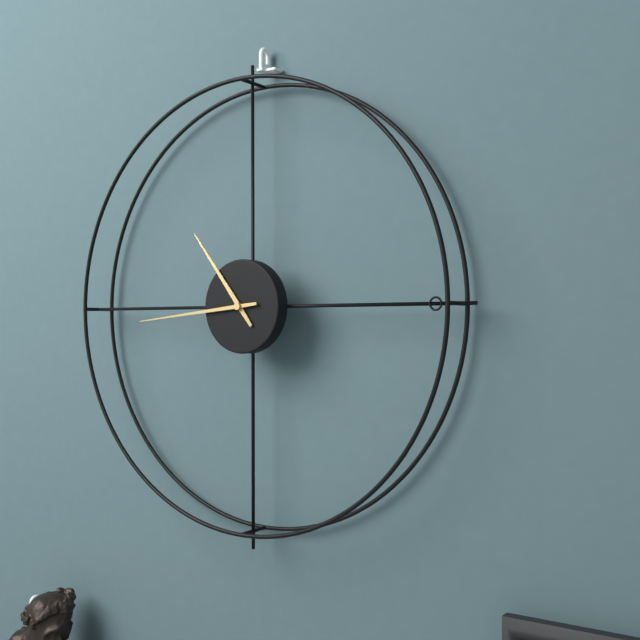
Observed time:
h=10 m=44
